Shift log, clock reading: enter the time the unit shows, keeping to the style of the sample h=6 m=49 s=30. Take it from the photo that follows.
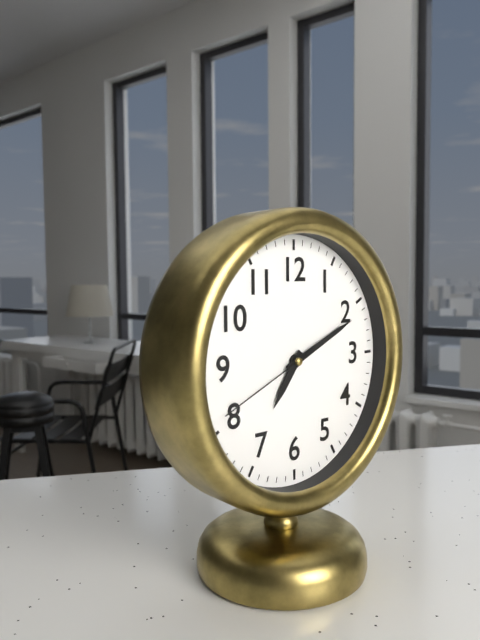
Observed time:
h=7 m=11 s=41
